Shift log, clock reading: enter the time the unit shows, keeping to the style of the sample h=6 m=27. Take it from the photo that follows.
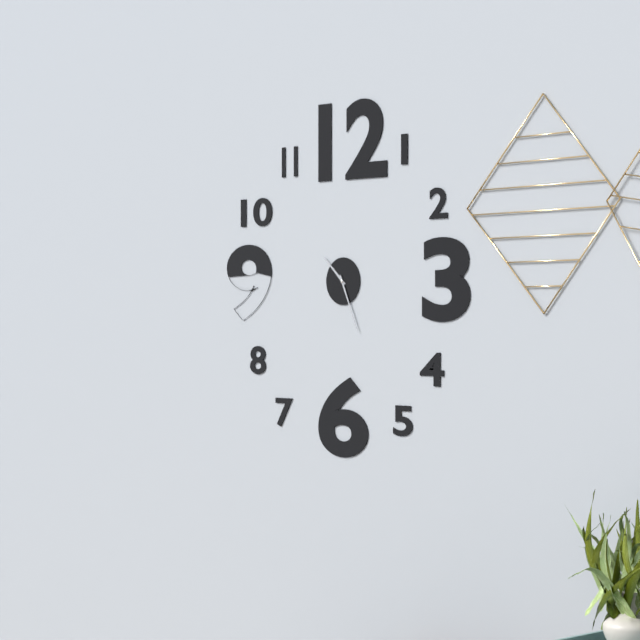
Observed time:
h=10 m=26
